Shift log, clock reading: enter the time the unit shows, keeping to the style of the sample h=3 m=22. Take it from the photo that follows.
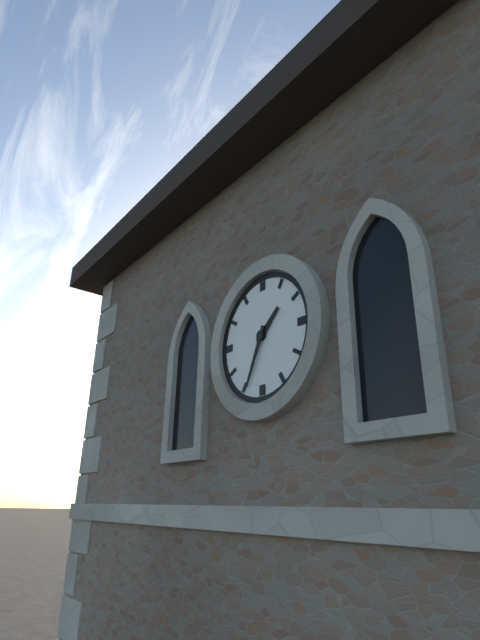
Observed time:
h=1 m=34
